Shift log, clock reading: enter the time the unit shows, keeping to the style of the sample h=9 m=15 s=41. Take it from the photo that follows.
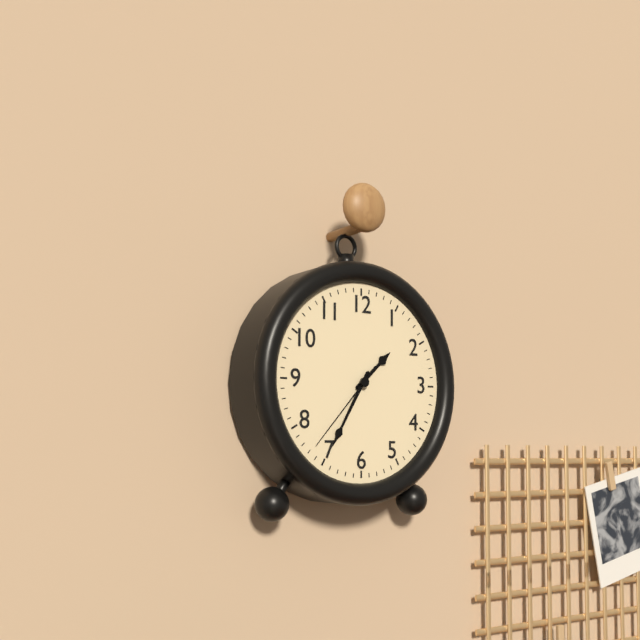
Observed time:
h=1 m=35 s=37
